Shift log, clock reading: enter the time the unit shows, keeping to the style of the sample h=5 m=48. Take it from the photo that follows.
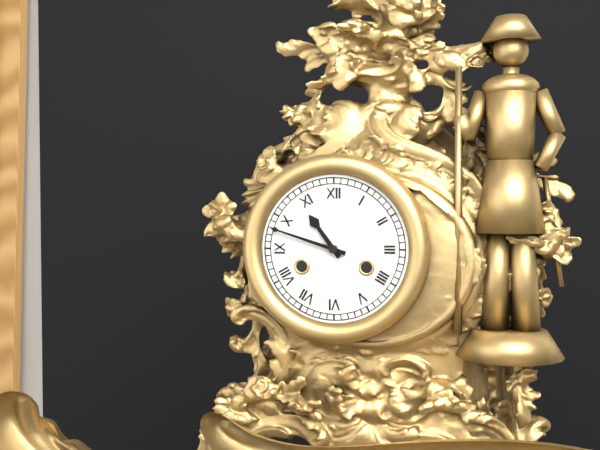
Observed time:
h=10 m=48
